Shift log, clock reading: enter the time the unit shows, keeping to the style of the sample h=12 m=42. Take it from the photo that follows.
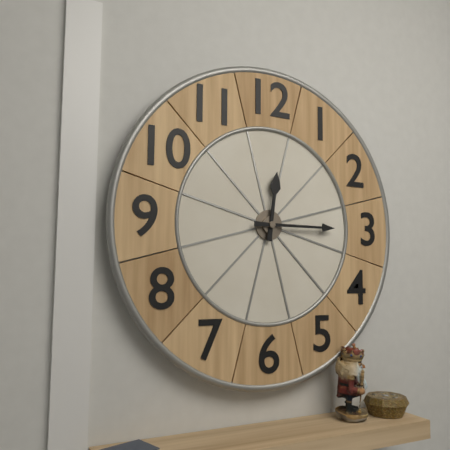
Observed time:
h=12 m=15
